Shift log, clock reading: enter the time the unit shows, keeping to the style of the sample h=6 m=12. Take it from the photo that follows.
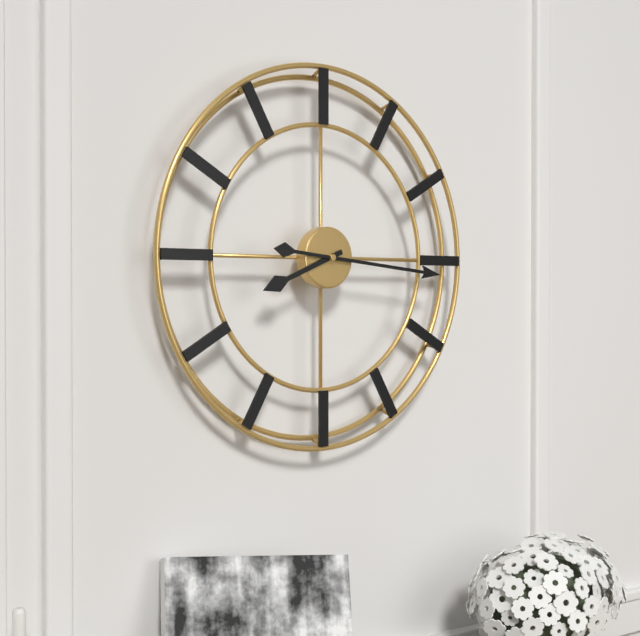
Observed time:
h=8 m=16
